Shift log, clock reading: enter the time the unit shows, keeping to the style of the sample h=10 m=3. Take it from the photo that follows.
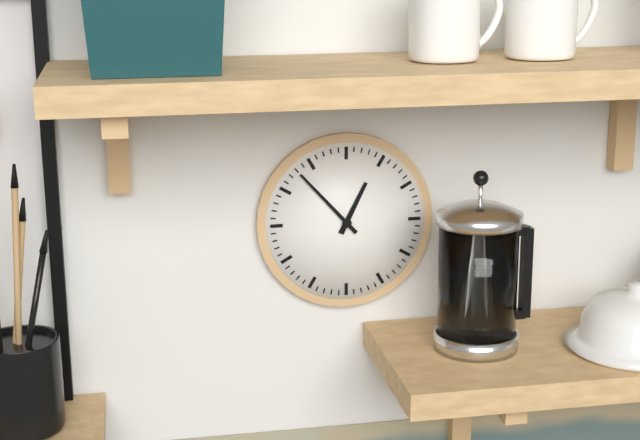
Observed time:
h=12 m=53
